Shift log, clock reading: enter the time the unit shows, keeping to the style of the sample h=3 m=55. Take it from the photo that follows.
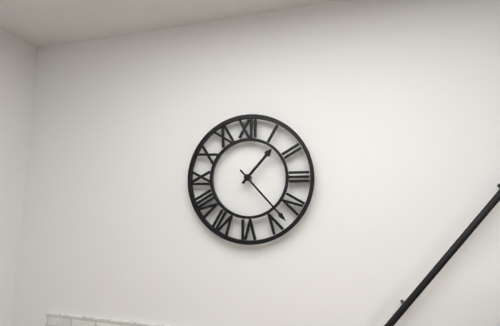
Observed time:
h=1 m=23
